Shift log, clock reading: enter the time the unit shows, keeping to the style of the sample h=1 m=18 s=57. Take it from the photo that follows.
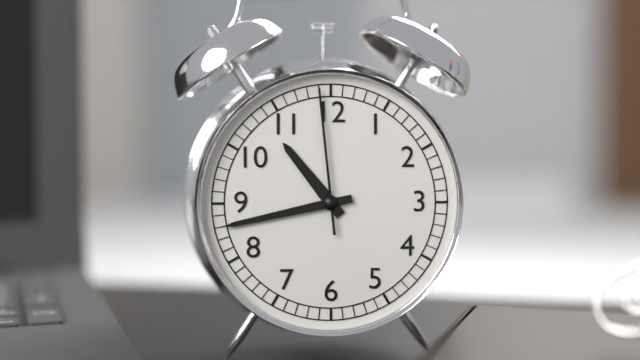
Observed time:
h=10 m=43 s=59
